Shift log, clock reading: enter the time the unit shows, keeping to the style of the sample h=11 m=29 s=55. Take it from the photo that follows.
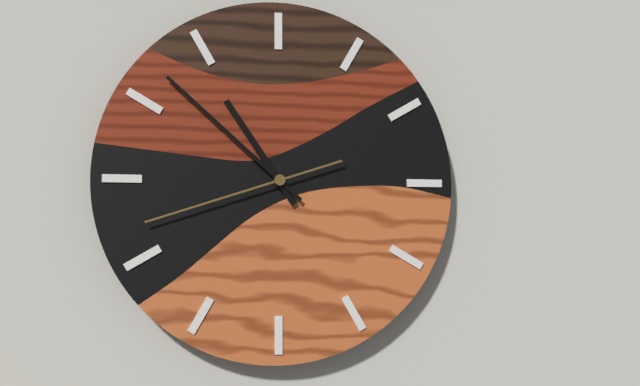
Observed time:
h=10 m=52 s=42
